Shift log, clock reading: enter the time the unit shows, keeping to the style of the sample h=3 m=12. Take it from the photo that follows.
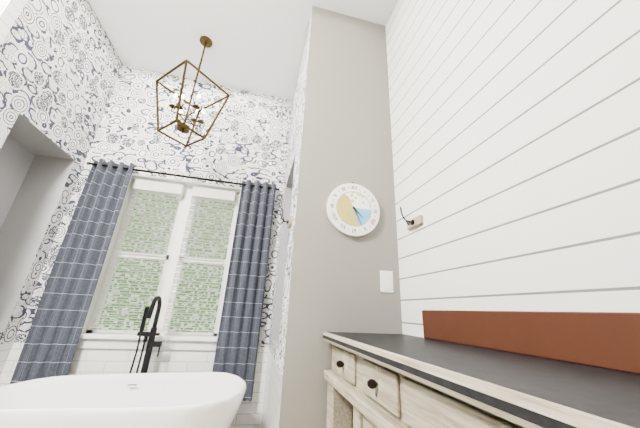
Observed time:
h=4 m=26
